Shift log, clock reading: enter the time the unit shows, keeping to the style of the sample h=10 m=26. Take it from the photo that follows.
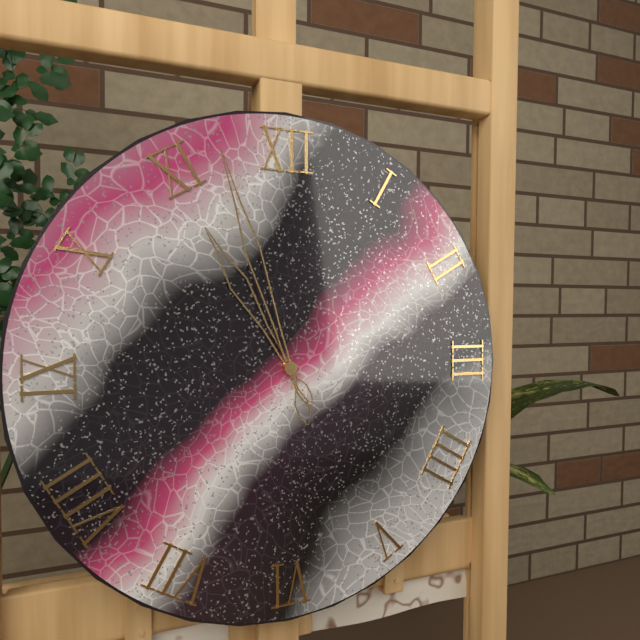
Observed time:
h=10 m=57
